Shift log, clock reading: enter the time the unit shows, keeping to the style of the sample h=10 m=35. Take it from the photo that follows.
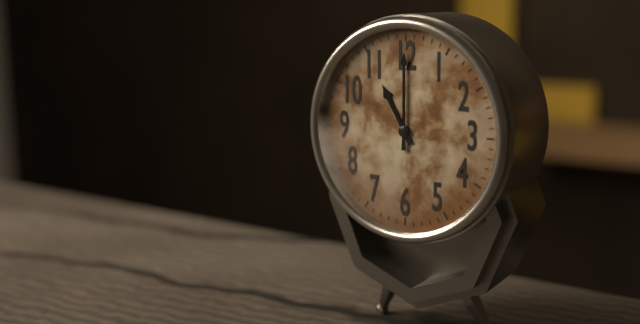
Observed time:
h=11 m=0
